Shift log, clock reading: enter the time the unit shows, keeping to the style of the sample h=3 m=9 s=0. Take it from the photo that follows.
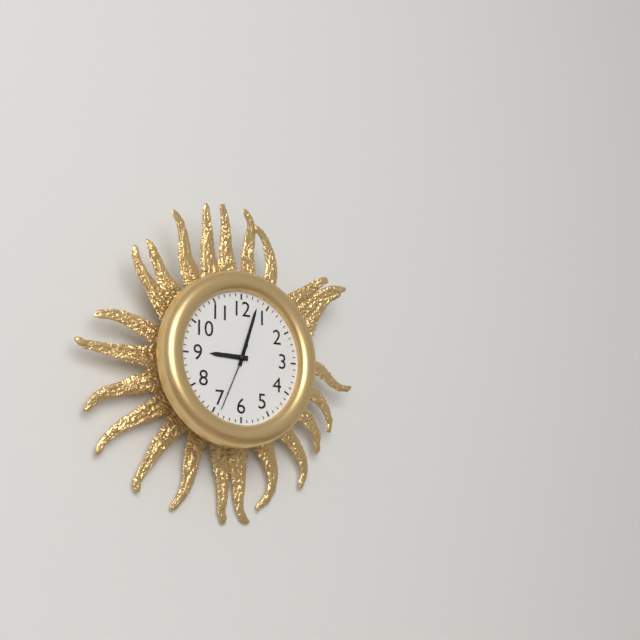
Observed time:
h=9 m=3 s=34
